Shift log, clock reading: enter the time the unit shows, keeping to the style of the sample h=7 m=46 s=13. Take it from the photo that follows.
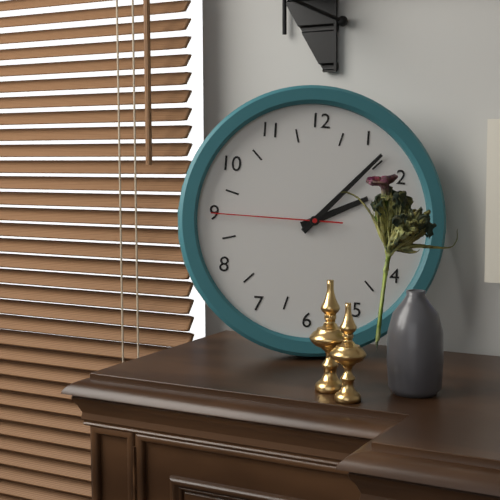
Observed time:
h=2 m=7 s=45
